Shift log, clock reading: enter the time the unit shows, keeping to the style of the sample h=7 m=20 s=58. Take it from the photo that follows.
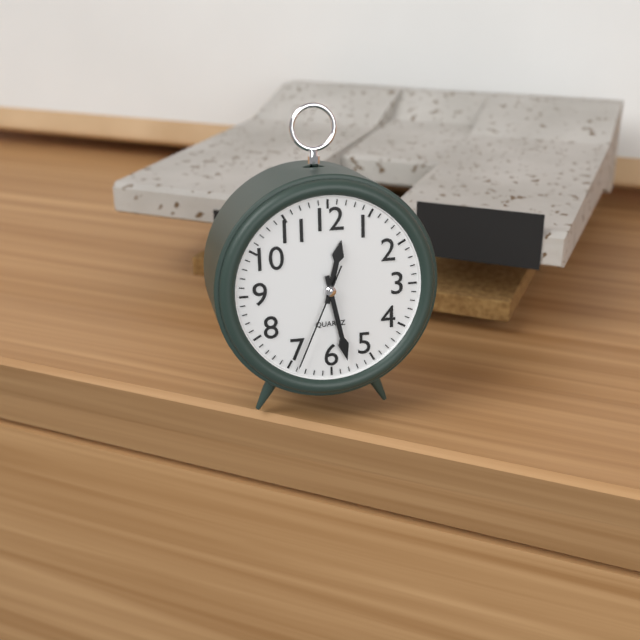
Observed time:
h=12 m=28 s=34
